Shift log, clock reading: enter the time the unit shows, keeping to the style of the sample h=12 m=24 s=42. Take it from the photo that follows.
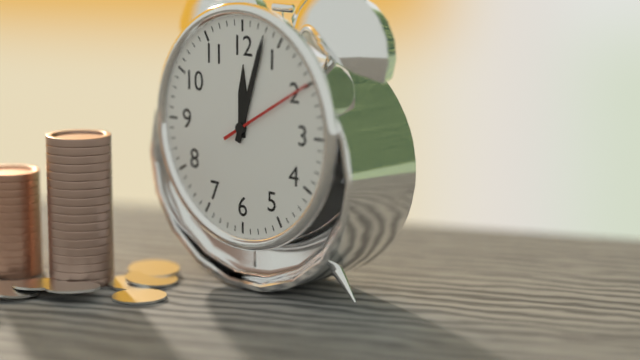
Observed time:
h=12 m=3 s=10
